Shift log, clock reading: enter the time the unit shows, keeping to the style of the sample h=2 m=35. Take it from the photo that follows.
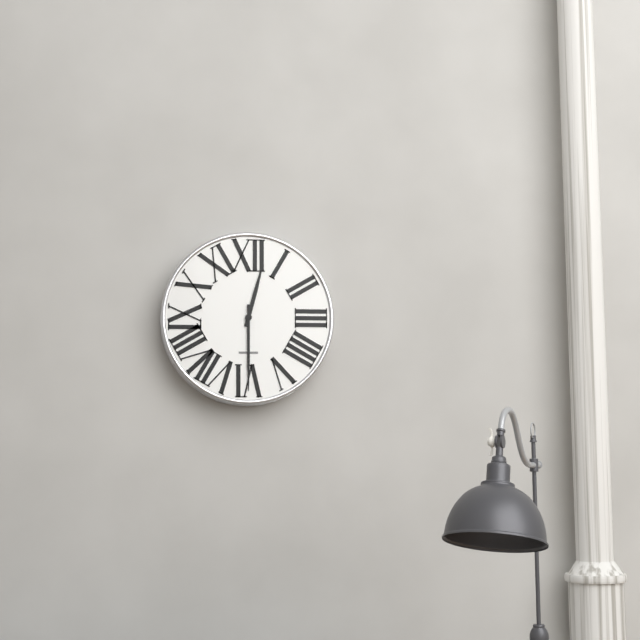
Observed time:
h=12 m=30
